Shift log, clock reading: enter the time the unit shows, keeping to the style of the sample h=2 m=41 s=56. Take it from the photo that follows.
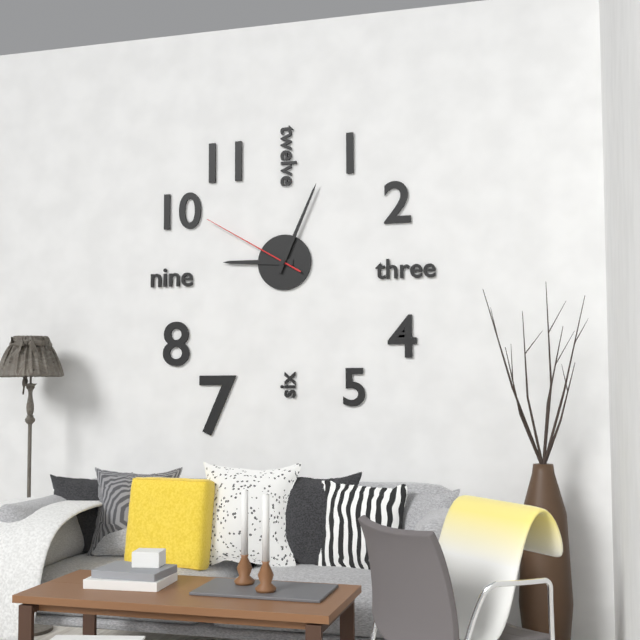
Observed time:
h=9 m=4 s=50
